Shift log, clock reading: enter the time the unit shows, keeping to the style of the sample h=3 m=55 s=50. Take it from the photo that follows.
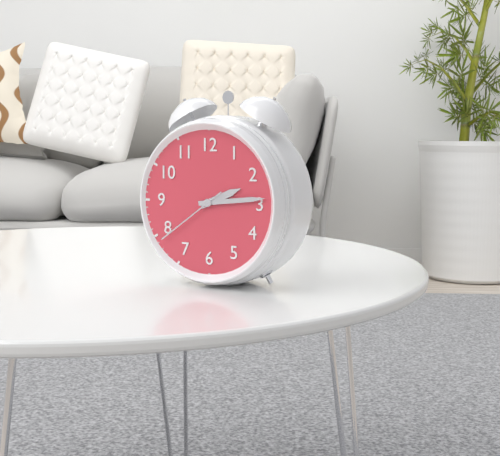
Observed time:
h=2 m=14 s=39
